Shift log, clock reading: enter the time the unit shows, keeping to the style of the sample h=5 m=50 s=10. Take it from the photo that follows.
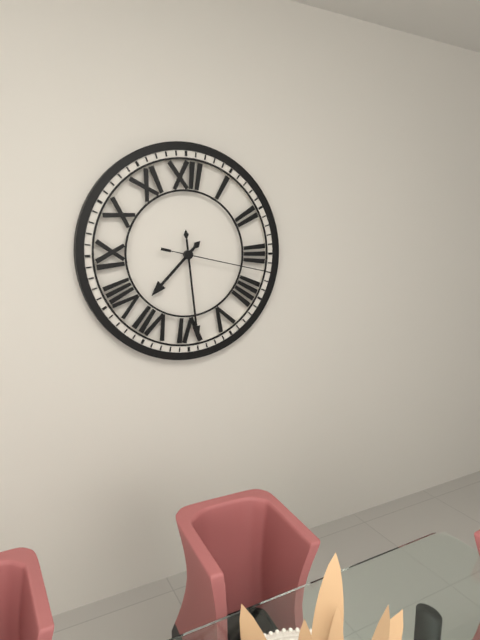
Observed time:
h=7 m=29 s=17
